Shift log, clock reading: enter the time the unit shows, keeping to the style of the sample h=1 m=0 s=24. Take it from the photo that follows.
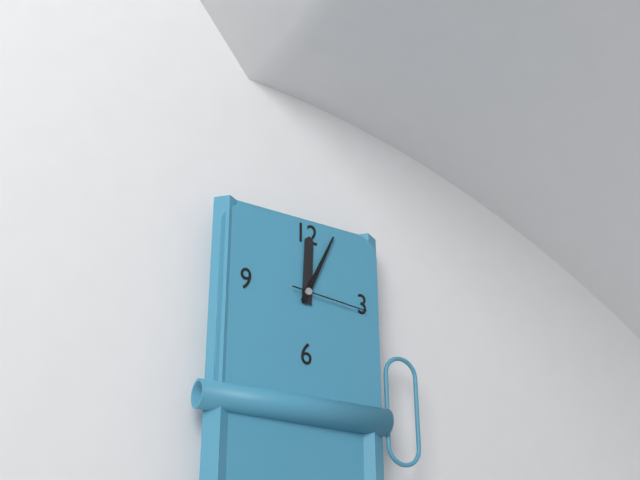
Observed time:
h=12 m=4 s=16
